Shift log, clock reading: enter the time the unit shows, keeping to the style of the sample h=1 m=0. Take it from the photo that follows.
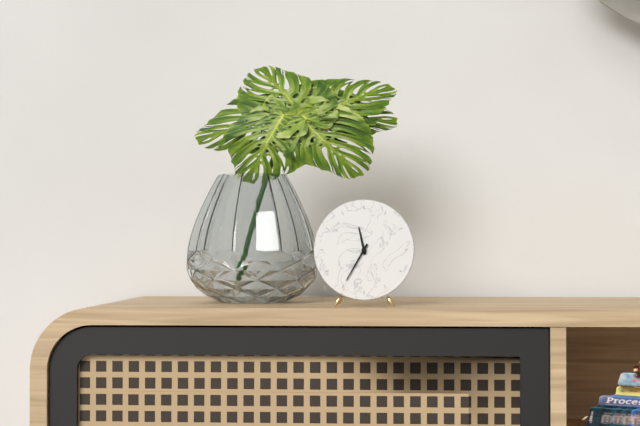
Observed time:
h=11 m=35
